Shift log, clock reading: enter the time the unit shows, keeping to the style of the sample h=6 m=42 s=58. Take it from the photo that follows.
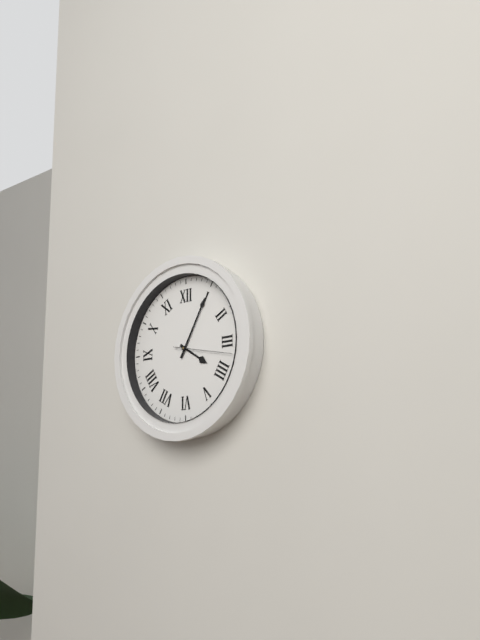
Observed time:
h=4 m=5 s=17
